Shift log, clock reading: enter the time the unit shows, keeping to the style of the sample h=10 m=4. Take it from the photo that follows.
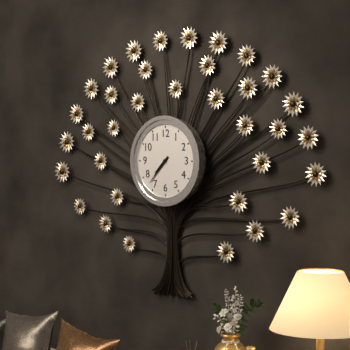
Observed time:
h=7 m=37
